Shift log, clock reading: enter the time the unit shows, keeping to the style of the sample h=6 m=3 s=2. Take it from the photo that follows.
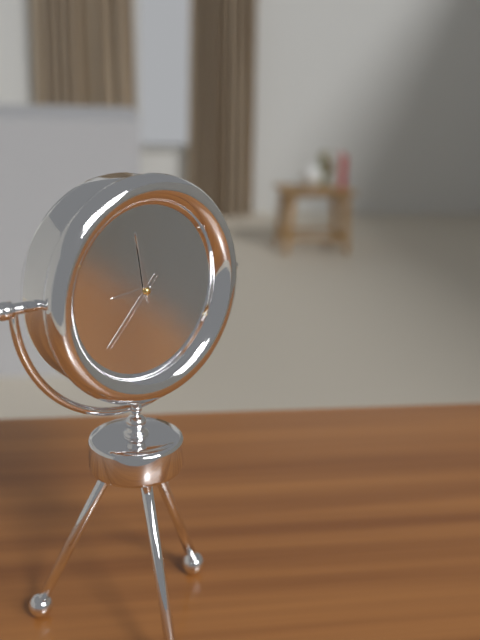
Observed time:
h=8 m=58 s=37
